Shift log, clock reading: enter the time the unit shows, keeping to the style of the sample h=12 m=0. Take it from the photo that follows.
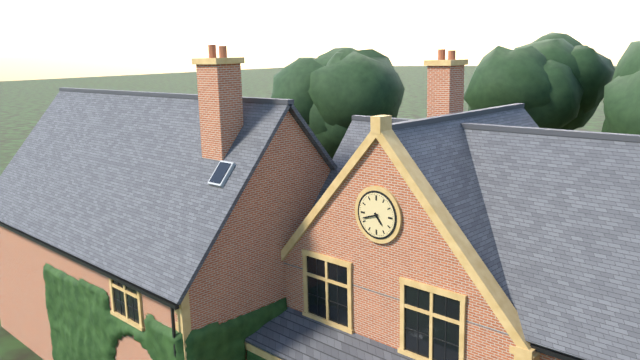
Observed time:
h=4 m=42
